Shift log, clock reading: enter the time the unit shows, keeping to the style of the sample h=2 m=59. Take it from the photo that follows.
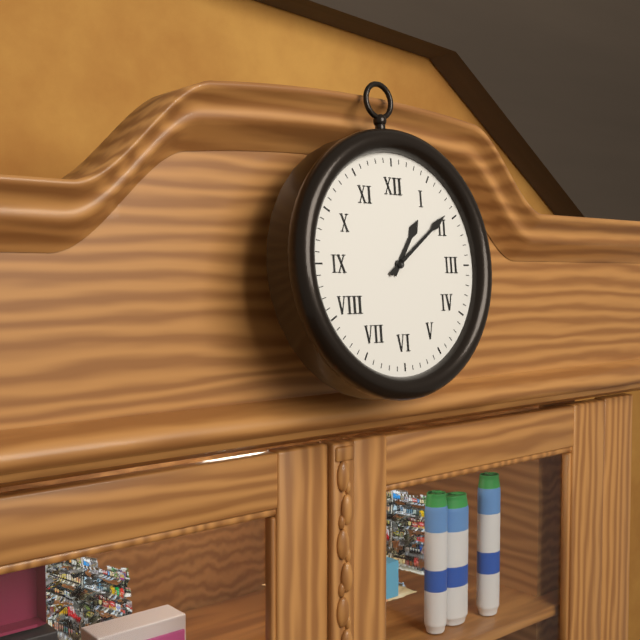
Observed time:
h=1 m=9
